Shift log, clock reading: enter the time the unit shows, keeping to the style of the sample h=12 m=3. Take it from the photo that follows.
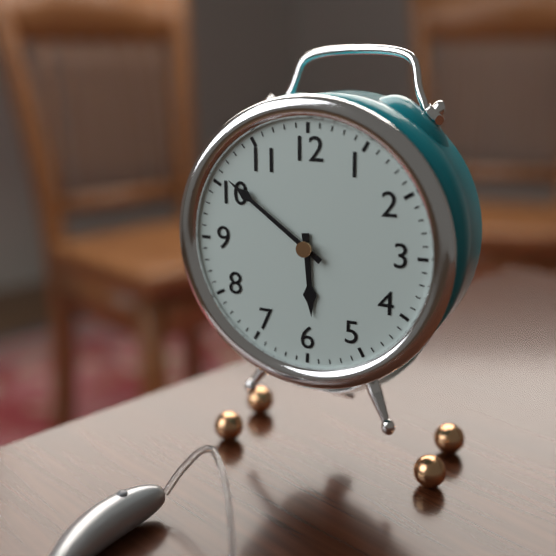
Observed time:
h=5 m=51
